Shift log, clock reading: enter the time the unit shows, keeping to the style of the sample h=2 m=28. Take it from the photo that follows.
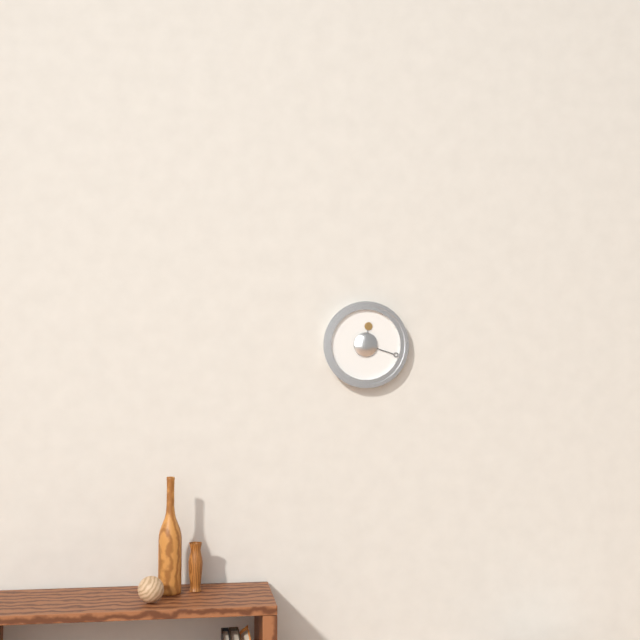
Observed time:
h=12 m=18
